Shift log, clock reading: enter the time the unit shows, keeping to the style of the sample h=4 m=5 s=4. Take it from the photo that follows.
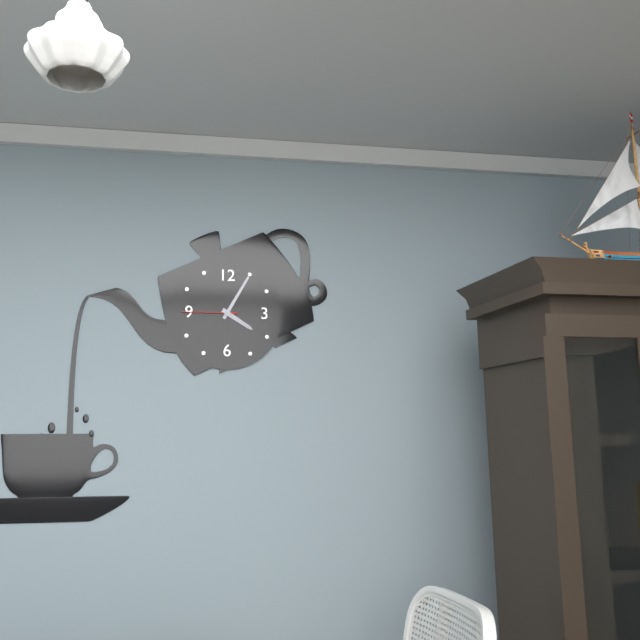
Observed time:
h=4 m=5 s=45
